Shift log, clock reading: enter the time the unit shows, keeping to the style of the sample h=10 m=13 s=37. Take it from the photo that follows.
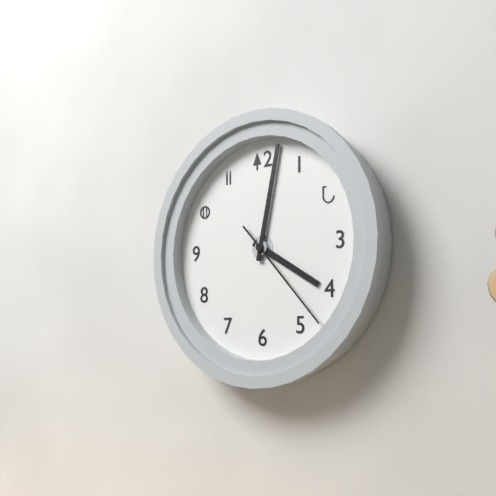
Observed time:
h=4 m=2 s=23
